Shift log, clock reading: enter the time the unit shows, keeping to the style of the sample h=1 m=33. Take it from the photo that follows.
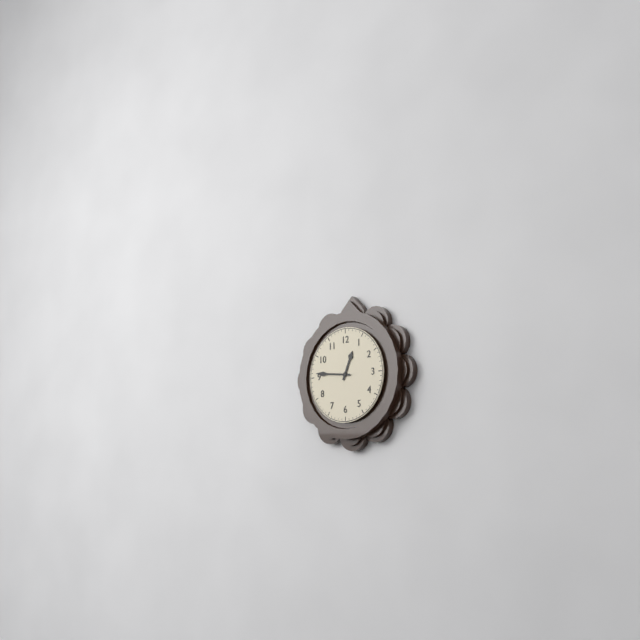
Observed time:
h=12 m=46
